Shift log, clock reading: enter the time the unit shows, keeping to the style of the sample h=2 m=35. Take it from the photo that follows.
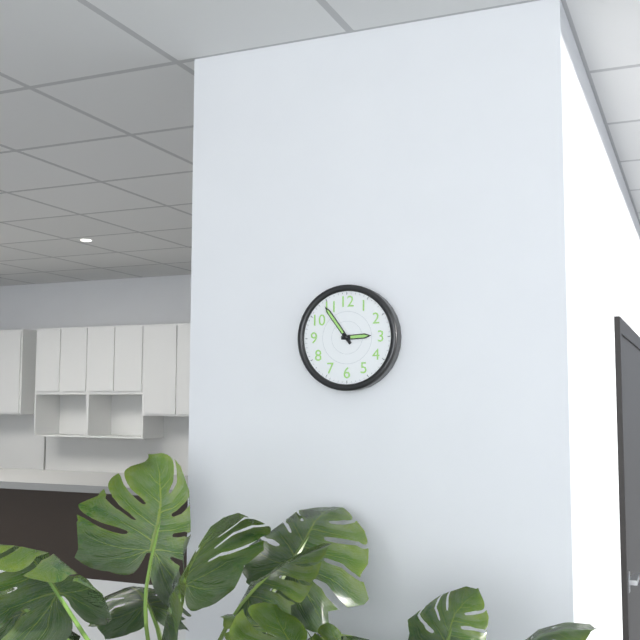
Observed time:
h=2 m=54
